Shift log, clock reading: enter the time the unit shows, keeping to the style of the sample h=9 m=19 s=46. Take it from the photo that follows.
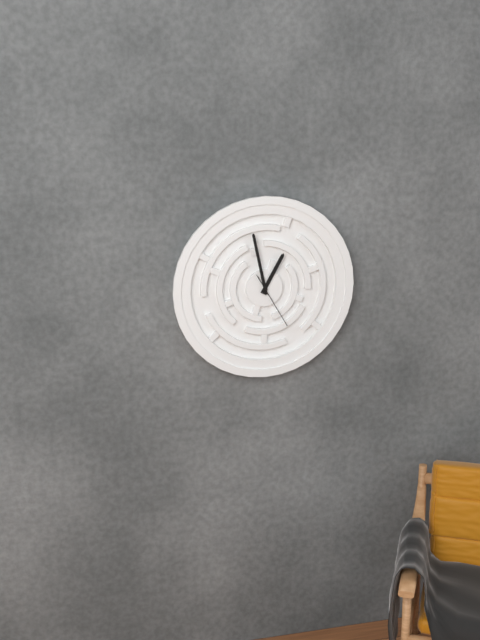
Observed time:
h=12 m=58 s=25
